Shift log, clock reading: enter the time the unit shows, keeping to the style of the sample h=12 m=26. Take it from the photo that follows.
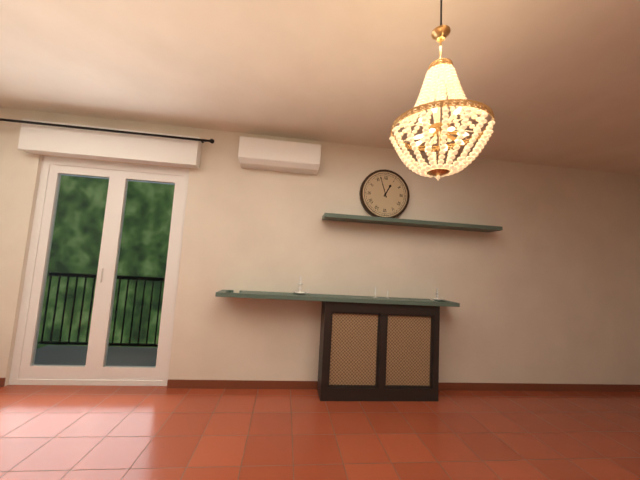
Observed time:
h=12 m=57
